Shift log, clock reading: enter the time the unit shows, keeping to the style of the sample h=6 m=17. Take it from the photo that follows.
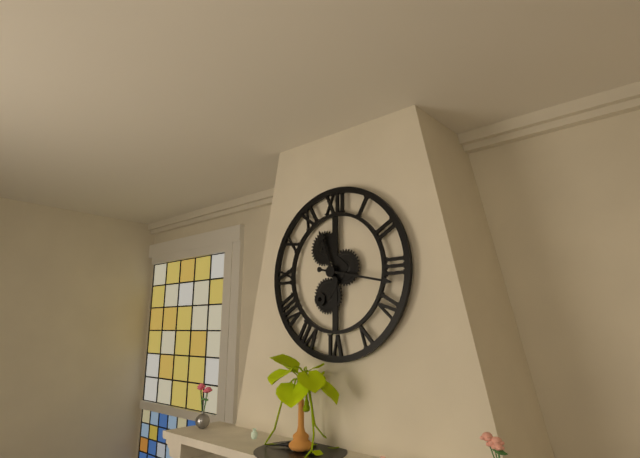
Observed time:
h=11 m=17
